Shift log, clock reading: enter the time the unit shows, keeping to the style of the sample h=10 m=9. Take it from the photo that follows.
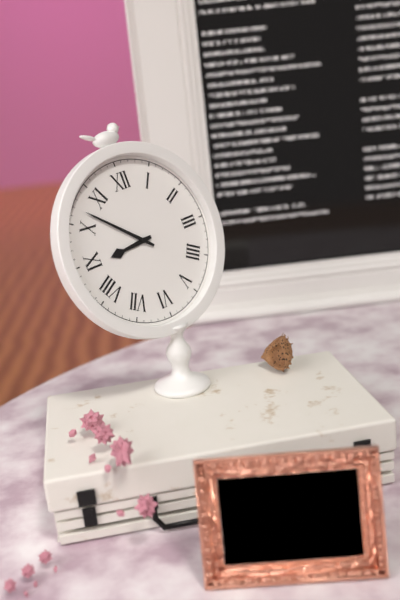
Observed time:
h=8 m=52
